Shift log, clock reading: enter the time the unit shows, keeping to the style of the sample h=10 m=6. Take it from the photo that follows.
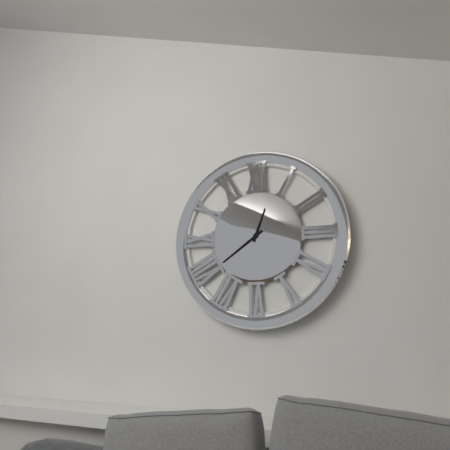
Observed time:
h=12 m=39
